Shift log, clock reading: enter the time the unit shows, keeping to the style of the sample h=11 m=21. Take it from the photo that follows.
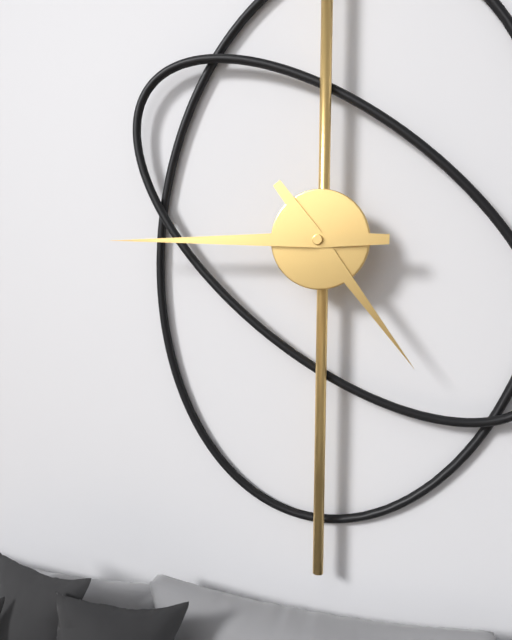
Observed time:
h=4 m=45
